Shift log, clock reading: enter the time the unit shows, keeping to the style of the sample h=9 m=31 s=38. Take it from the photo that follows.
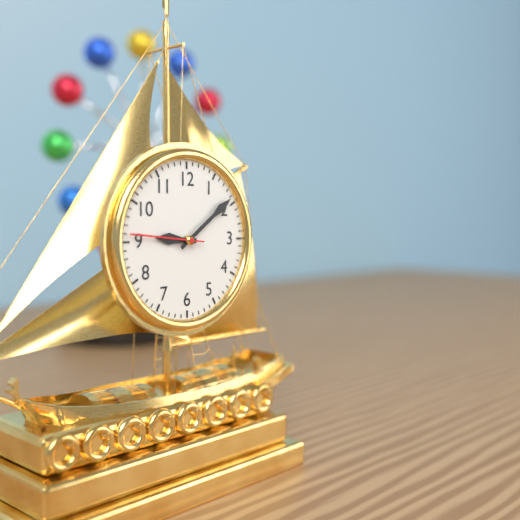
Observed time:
h=9 m=9 s=46
